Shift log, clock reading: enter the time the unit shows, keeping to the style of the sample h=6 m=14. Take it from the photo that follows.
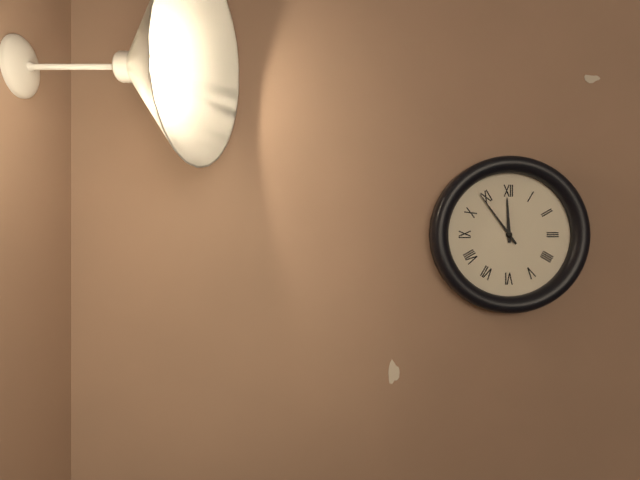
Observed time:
h=11 m=54
